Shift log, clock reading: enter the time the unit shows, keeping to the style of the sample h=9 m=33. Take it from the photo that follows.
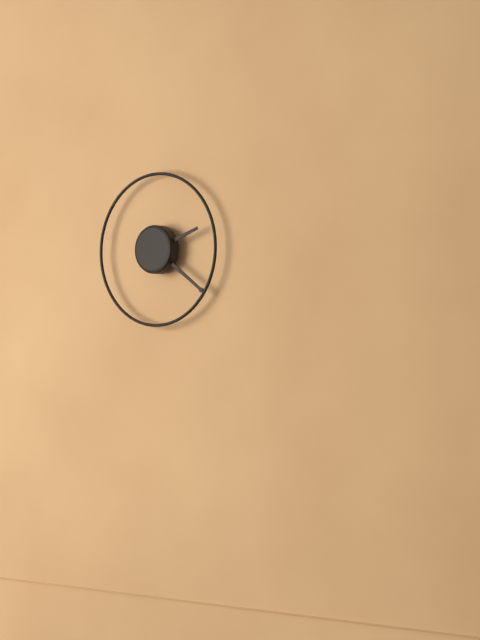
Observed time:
h=2 m=21
